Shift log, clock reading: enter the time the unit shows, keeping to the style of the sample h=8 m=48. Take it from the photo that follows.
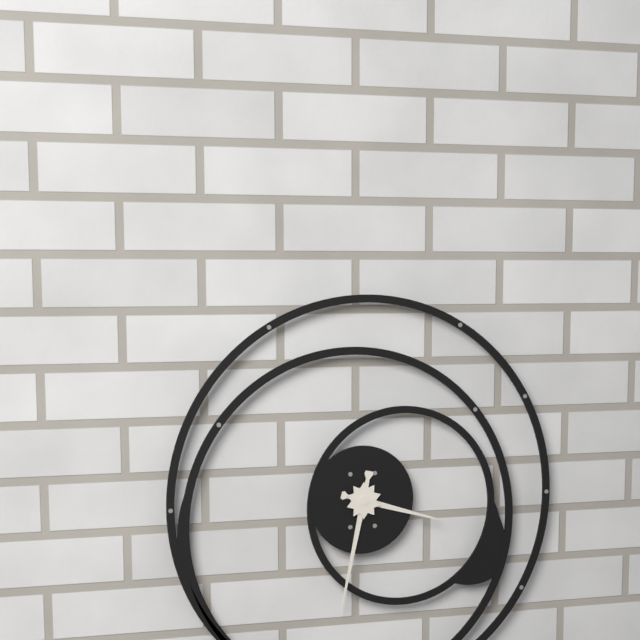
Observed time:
h=3 m=32
